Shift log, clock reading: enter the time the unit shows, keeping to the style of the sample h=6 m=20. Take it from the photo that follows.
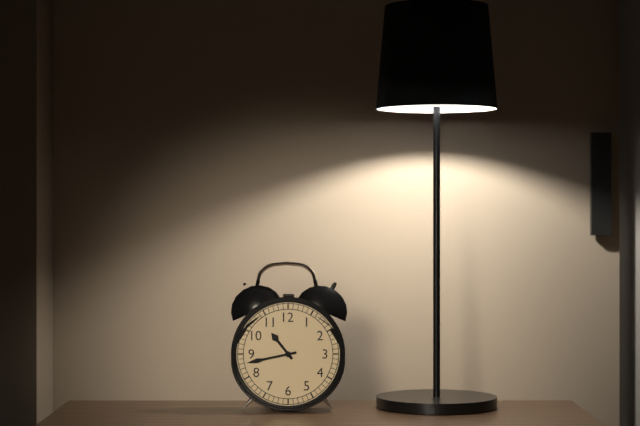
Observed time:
h=10 m=43
